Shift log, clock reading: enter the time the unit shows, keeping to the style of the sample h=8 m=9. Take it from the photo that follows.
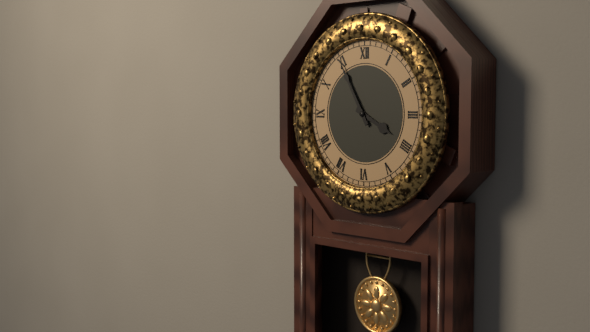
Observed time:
h=3 m=55
